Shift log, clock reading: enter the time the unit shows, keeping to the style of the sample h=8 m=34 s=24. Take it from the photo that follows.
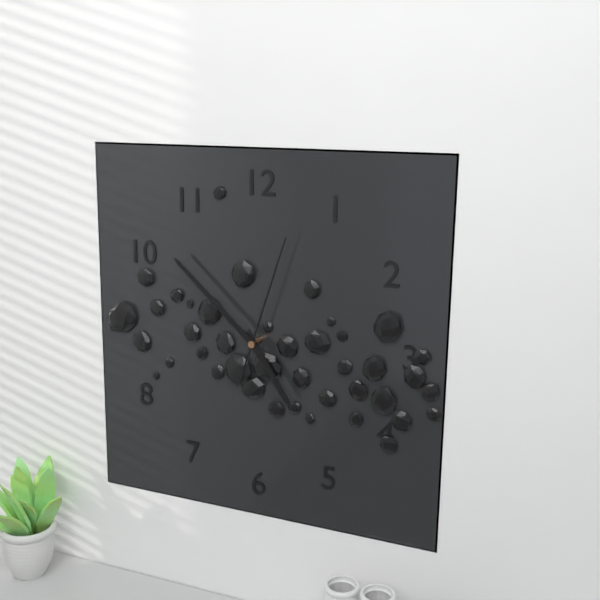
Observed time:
h=4 m=52 s=3
